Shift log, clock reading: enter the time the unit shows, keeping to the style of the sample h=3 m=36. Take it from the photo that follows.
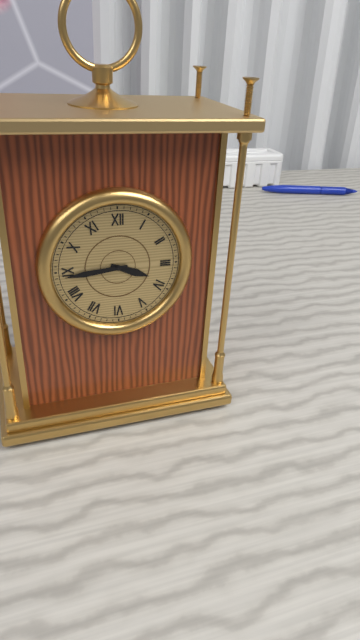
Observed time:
h=3 m=44
